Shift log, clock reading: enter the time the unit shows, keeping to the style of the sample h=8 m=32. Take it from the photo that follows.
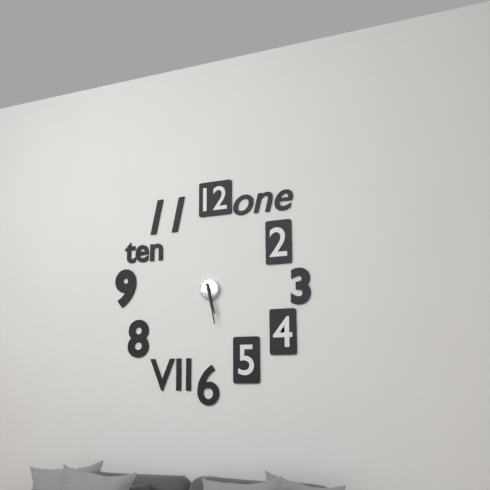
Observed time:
h=5 m=28
